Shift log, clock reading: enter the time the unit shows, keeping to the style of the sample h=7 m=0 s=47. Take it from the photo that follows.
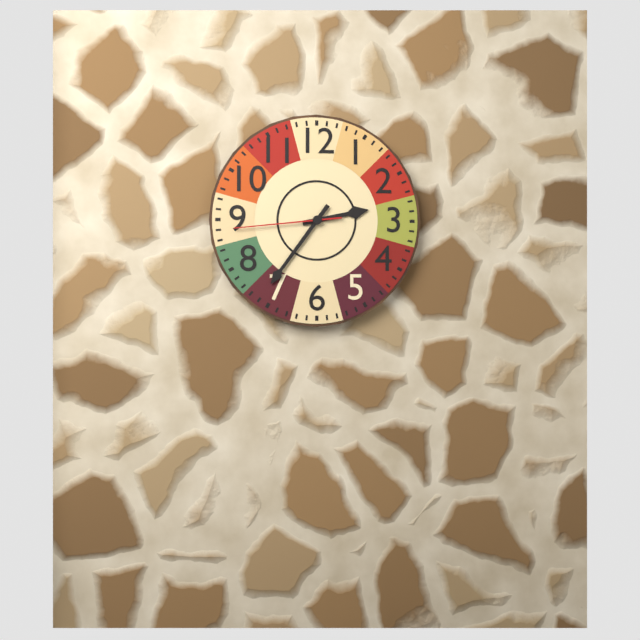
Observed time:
h=2 m=36 s=44
